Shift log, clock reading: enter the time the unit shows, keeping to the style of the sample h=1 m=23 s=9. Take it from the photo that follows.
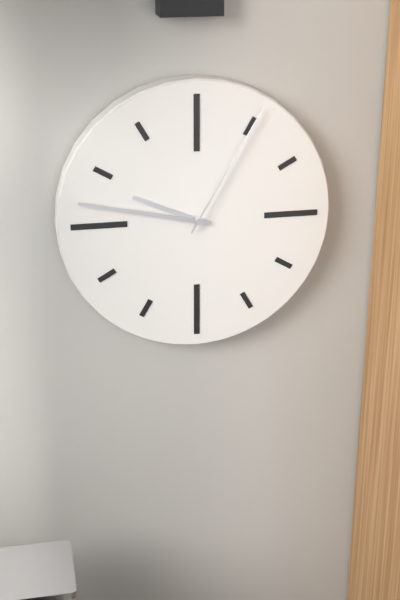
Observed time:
h=9 m=47 s=5
